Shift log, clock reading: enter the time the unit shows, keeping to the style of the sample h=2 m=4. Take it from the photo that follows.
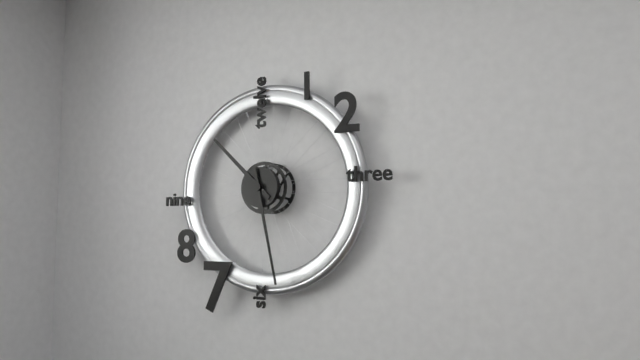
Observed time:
h=10 m=28
